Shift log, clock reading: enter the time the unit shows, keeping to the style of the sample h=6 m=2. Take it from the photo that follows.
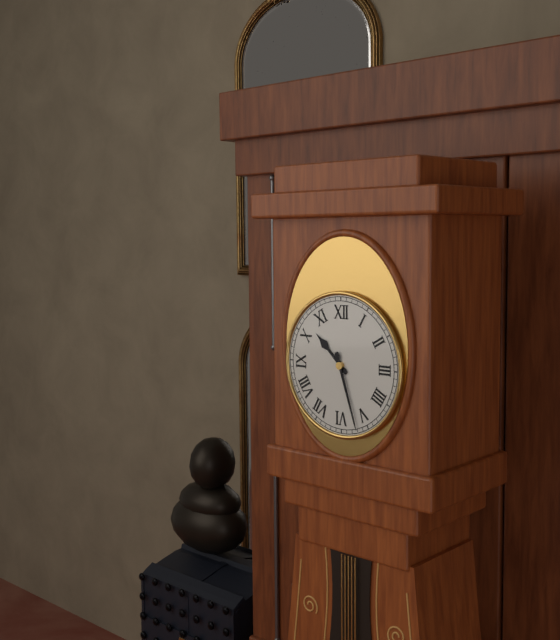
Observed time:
h=10 m=27
